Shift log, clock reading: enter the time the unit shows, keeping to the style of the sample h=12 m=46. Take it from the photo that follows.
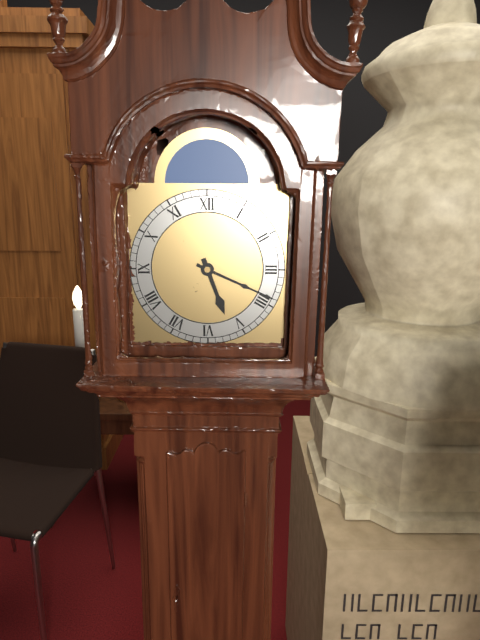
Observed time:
h=5 m=19
